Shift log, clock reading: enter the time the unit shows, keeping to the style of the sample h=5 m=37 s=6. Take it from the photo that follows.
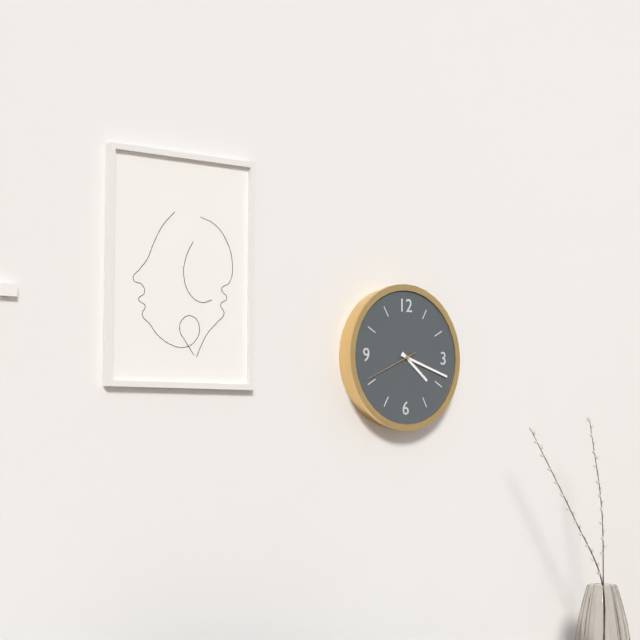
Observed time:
h=4 m=18 s=41
